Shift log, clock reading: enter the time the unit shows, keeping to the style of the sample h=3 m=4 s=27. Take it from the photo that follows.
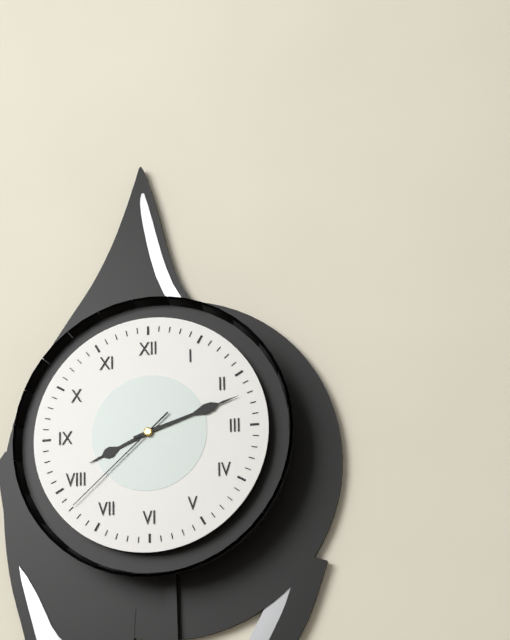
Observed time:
h=8 m=12 s=38
